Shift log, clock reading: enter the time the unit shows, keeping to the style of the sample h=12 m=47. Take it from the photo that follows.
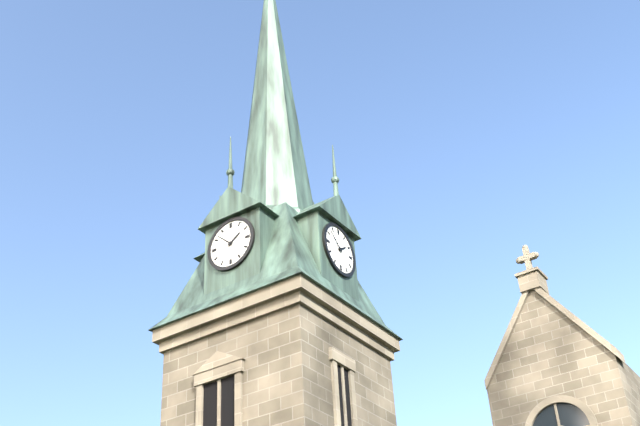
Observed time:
h=1 m=52
